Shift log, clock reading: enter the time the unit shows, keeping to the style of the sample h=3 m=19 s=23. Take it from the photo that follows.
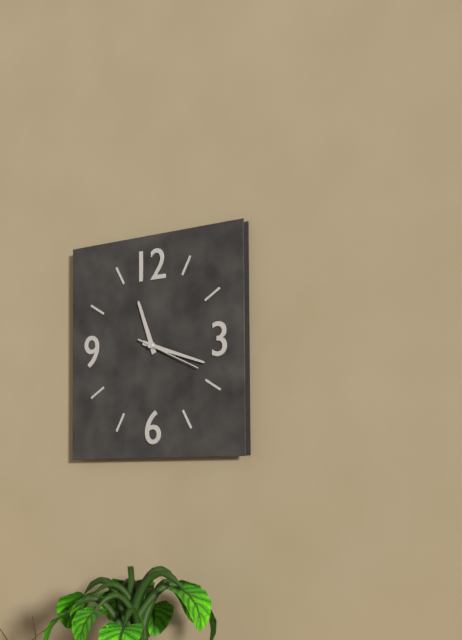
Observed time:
h=11 m=18 s=19
